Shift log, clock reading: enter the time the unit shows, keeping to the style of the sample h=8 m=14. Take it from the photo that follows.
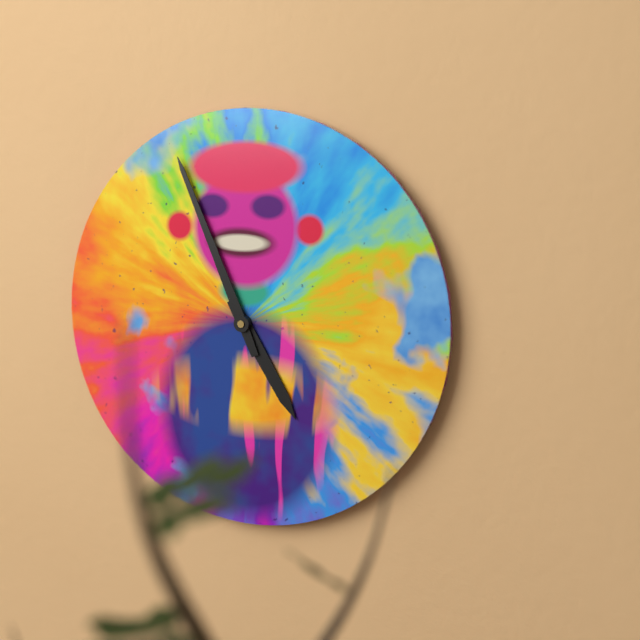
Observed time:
h=4 m=56
